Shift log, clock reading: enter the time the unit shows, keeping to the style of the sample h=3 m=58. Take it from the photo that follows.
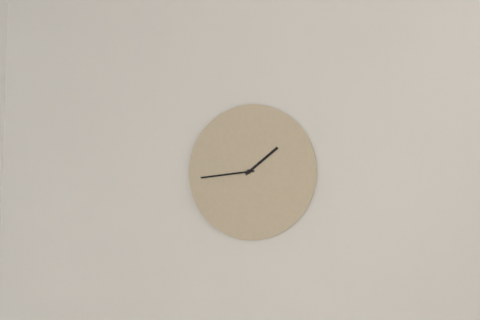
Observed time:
h=1 m=44
